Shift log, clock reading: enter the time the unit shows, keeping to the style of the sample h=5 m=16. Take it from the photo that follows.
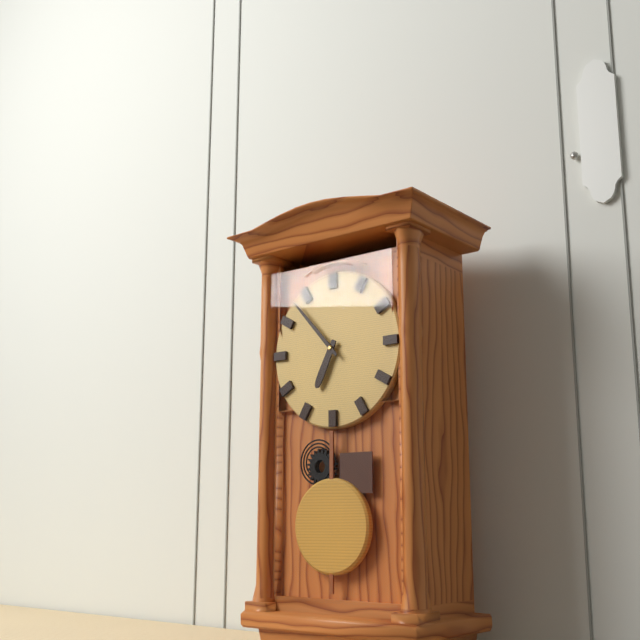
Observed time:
h=6 m=53
